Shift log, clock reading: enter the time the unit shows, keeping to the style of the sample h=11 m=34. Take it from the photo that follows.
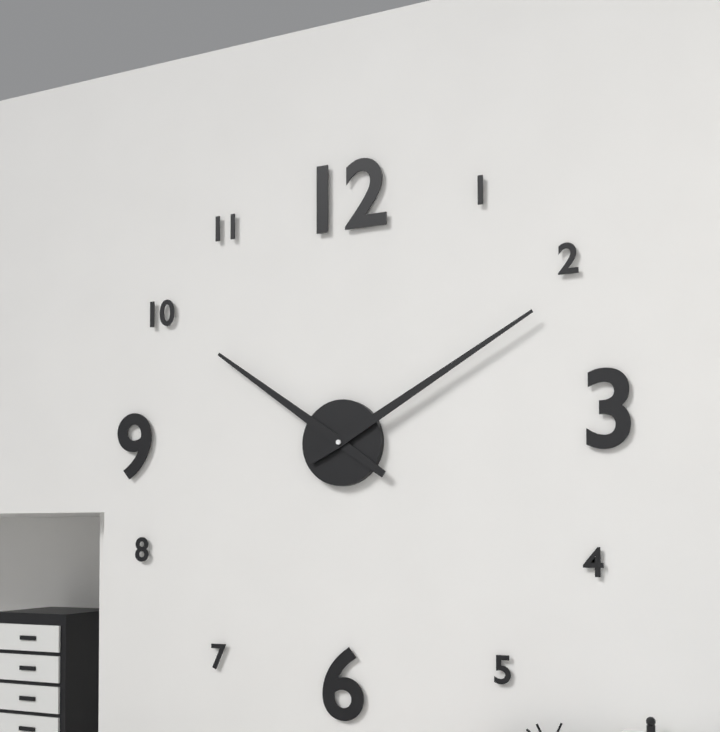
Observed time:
h=10 m=10
